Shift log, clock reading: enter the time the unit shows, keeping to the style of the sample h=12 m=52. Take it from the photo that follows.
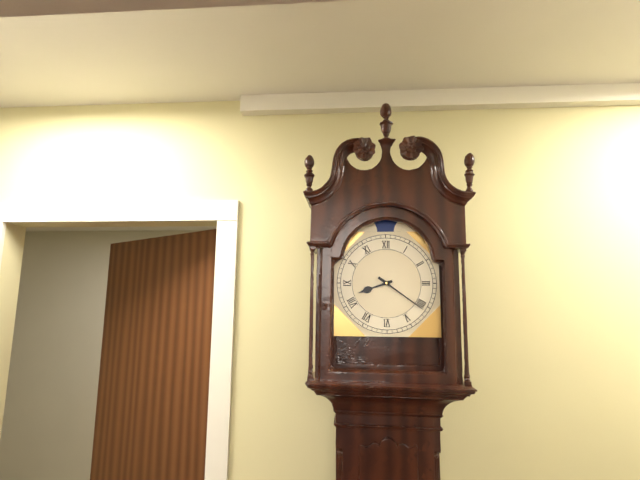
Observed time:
h=8 m=21
